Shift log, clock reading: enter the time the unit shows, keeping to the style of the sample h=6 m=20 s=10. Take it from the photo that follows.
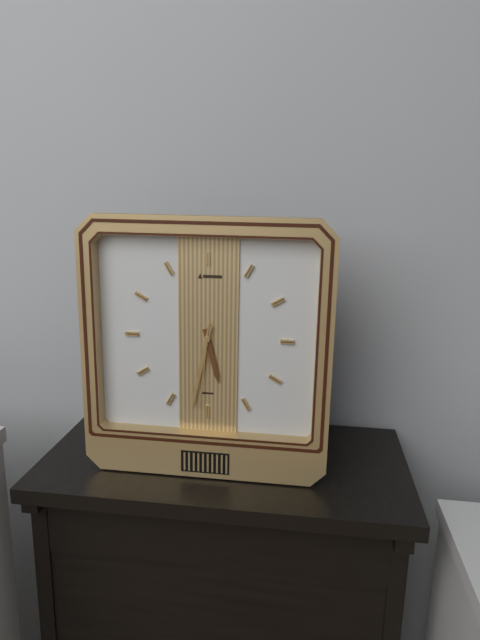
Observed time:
h=5 m=32 s=31
